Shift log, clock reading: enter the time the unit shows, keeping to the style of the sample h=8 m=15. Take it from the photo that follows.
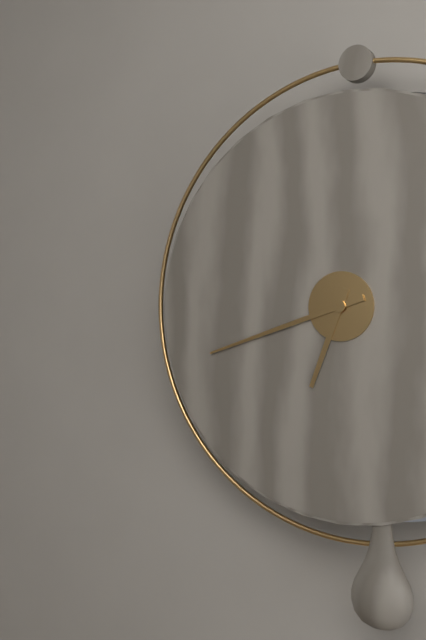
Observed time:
h=6 m=42
